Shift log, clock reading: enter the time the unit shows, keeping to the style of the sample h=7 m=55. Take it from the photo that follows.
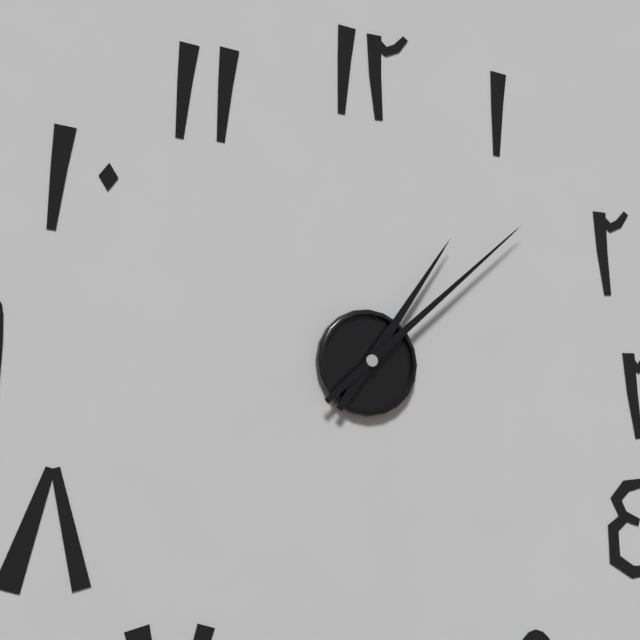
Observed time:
h=1 m=8
